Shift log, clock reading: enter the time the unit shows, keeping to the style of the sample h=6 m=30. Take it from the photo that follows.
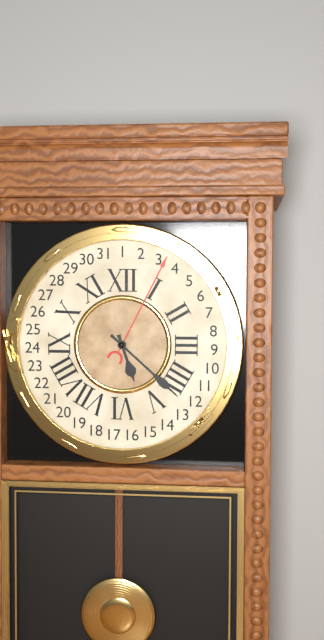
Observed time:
h=5 m=22
